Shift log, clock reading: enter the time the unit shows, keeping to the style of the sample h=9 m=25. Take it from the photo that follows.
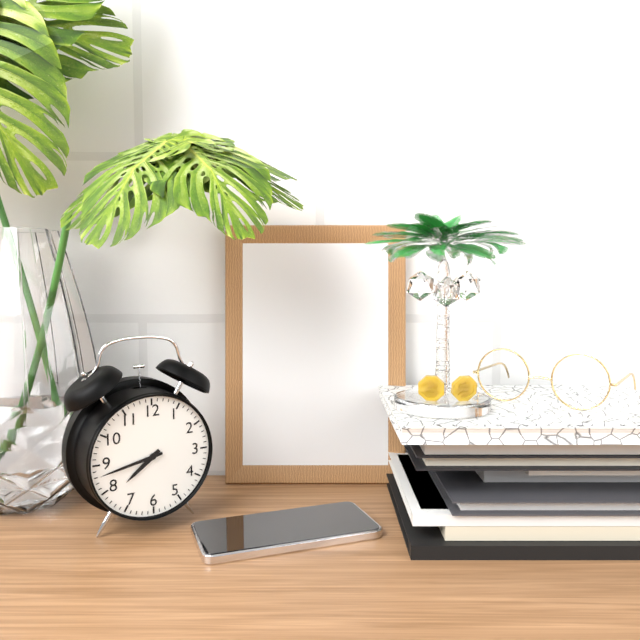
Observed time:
h=7 m=43
